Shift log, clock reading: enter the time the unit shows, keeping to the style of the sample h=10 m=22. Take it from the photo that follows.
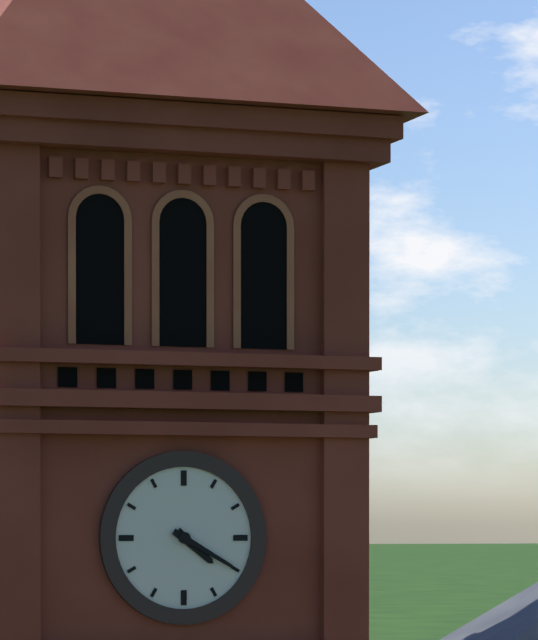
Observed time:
h=4 m=20
